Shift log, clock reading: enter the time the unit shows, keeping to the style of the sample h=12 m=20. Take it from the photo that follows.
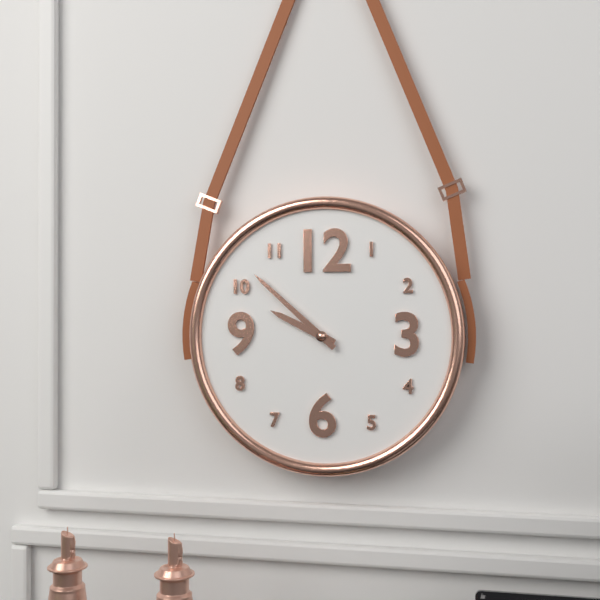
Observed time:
h=9 m=52
